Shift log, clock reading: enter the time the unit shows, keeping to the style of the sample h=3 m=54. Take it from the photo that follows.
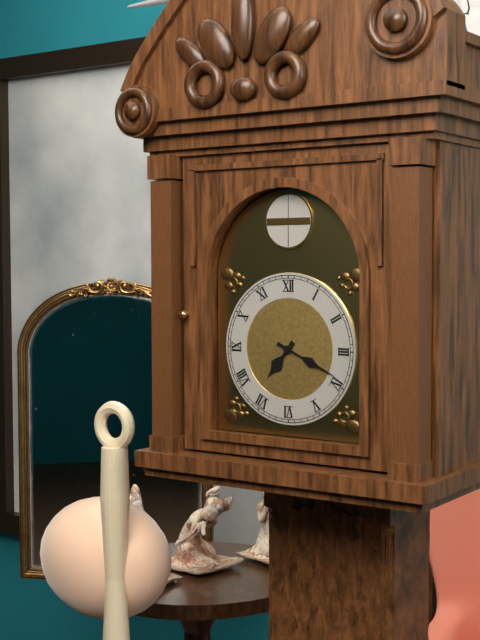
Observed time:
h=7 m=19
